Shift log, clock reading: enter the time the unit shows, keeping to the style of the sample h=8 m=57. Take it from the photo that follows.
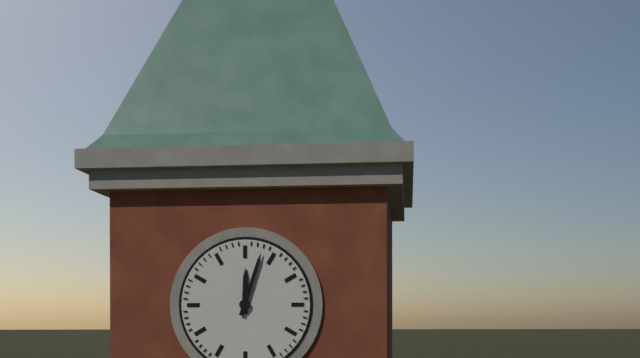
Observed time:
h=12 m=3
